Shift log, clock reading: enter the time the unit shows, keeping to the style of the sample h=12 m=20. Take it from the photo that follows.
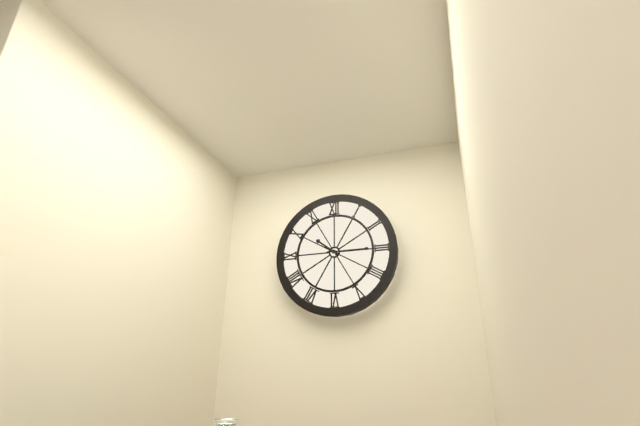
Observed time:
h=10 m=15
